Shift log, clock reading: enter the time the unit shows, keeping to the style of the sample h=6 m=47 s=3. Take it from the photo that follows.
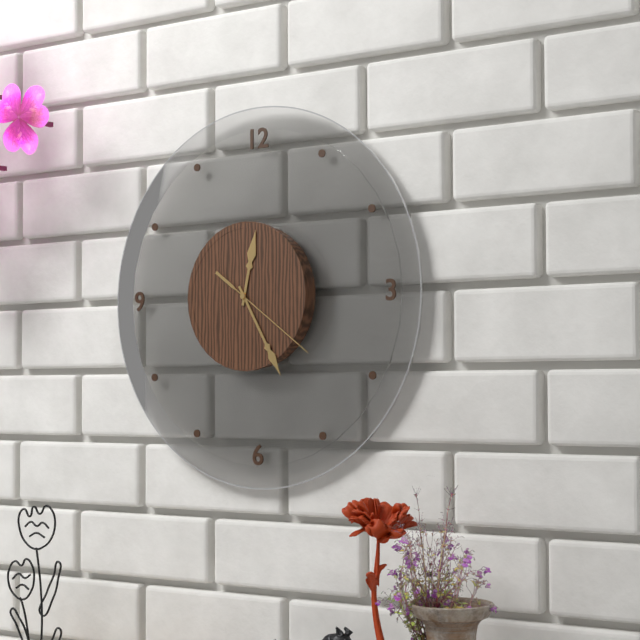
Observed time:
h=12 m=25 s=21
